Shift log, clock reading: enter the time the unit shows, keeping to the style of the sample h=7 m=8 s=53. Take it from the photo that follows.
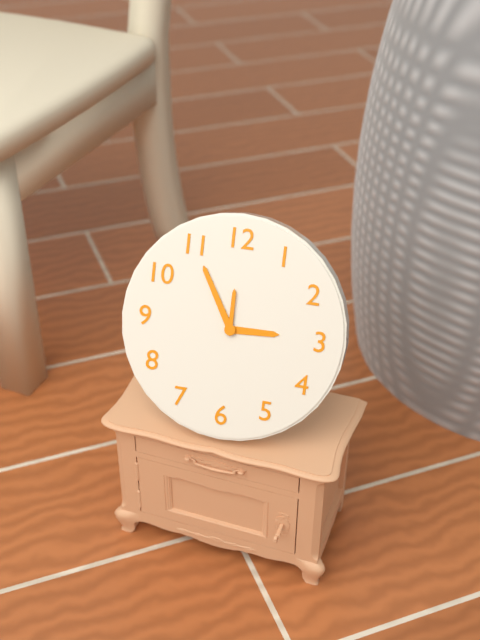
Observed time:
h=2 m=55 s=0
